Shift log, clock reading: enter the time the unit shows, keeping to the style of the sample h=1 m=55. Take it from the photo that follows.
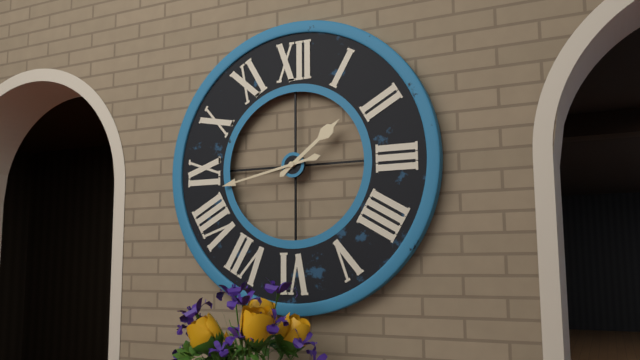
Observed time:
h=1 m=43
